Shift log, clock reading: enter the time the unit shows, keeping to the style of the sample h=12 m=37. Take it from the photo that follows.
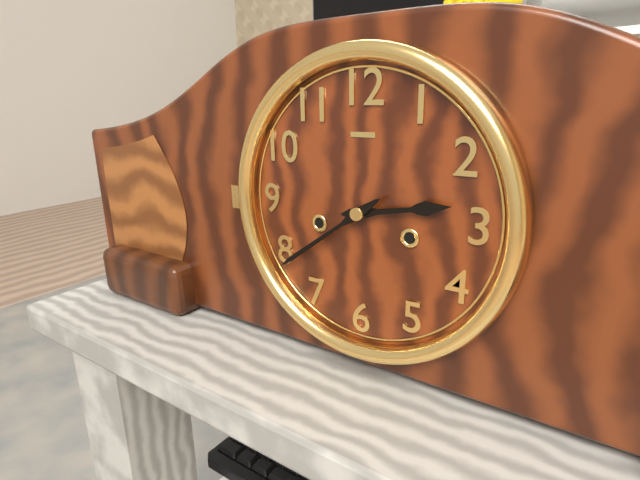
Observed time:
h=2 m=39
